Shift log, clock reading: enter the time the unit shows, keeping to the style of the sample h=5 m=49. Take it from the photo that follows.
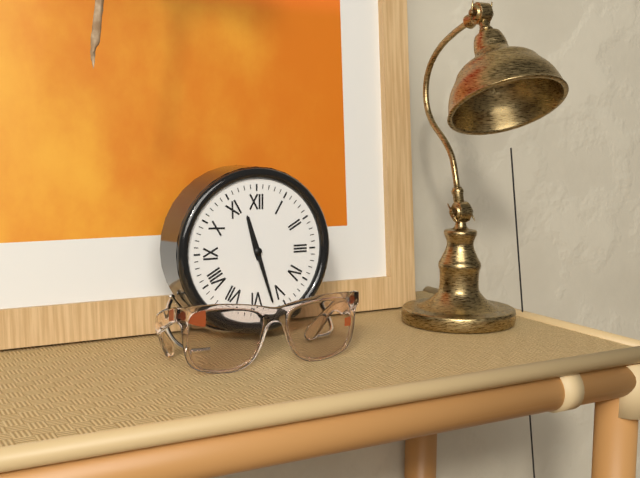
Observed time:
h=11 m=27
